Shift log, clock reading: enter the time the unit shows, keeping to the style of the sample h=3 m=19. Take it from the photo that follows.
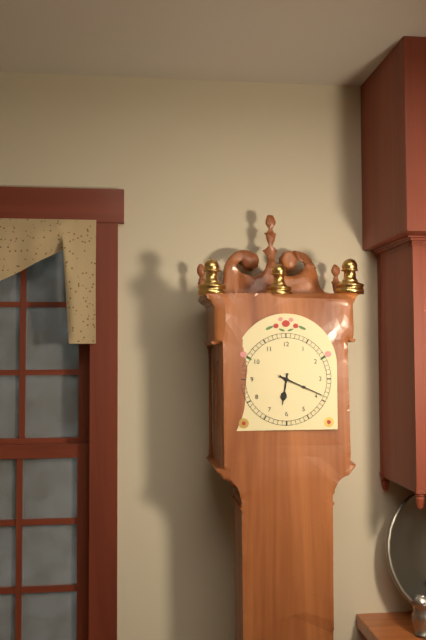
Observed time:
h=6 m=19
